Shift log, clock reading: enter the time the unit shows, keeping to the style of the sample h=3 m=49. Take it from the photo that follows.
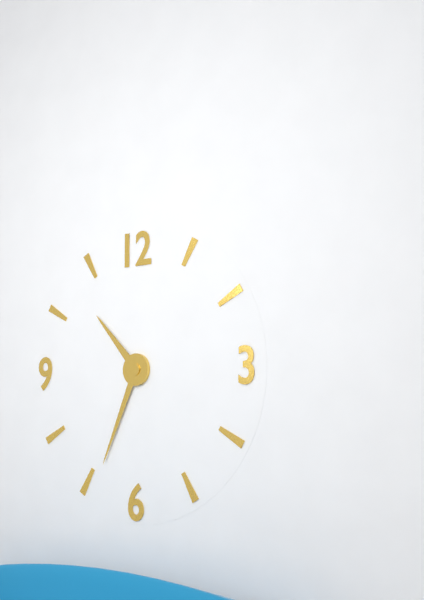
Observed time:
h=10 m=34
